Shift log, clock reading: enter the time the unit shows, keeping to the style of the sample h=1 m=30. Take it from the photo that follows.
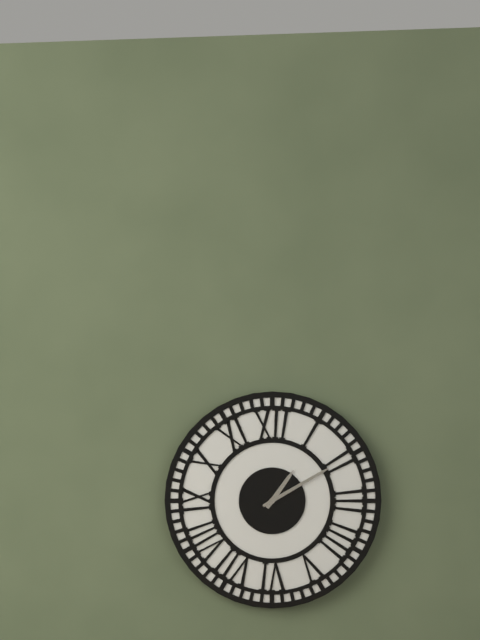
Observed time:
h=1 m=10
